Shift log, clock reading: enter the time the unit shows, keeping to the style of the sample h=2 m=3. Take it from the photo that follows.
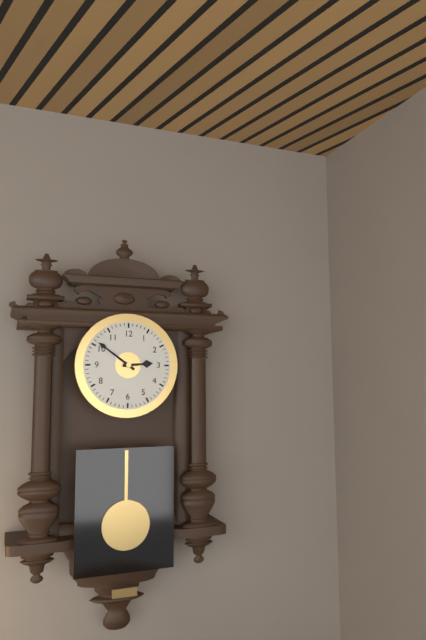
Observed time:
h=2 m=51
